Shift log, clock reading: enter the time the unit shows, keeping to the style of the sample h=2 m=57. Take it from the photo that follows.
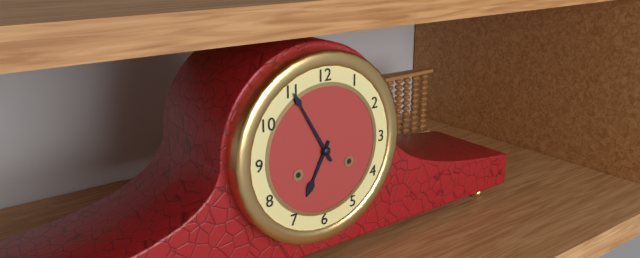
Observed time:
h=6 m=55
